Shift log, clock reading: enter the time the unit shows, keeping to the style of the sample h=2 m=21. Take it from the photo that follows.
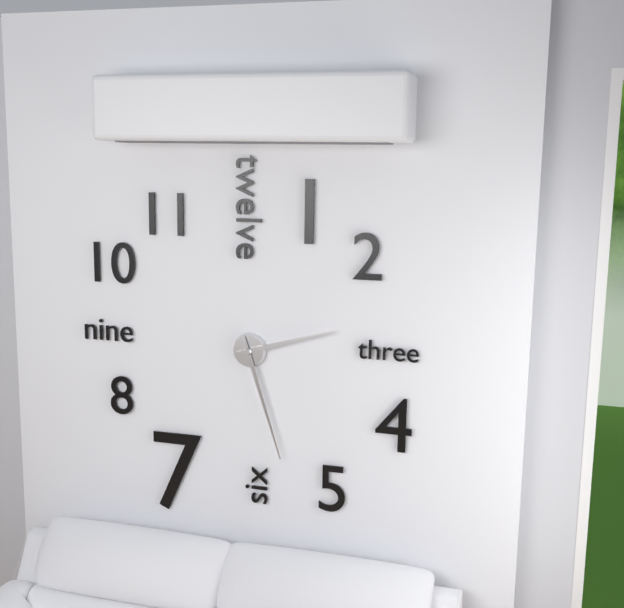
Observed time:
h=2 m=27
